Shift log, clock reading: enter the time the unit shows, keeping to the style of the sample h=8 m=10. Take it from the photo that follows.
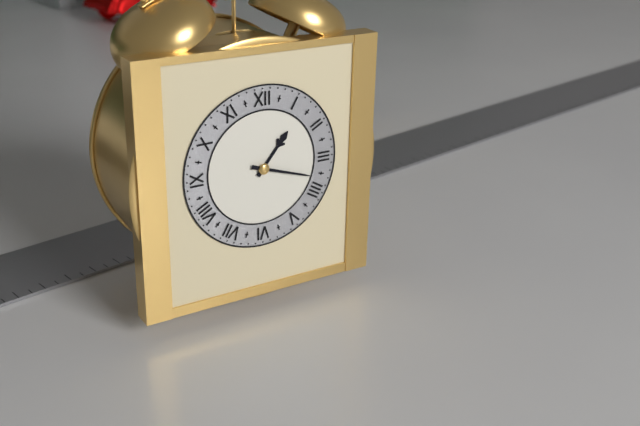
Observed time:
h=1 m=18
